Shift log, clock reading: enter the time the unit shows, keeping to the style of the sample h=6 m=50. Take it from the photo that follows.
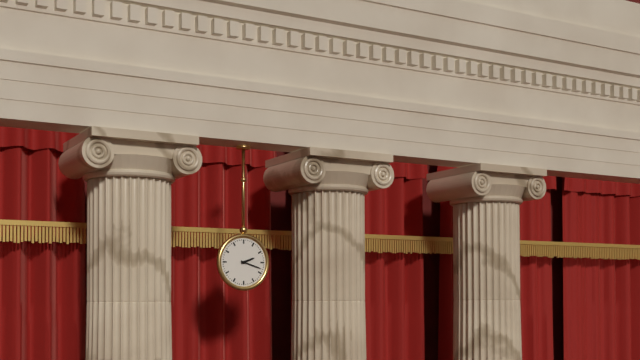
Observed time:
h=2 m=18
